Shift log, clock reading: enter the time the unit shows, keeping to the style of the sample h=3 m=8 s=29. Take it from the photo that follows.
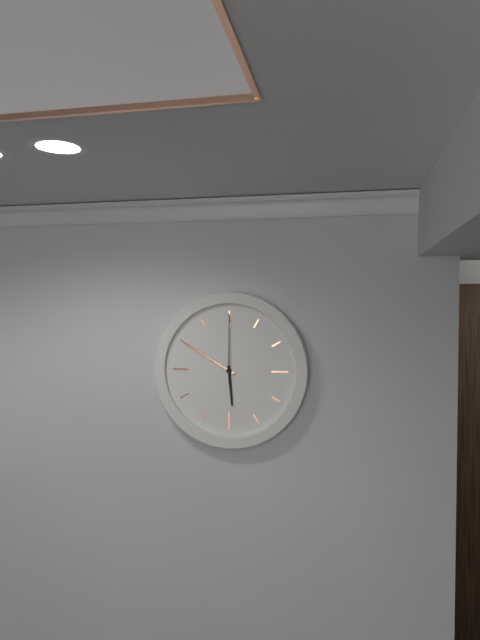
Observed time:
h=5 m=50 s=0
